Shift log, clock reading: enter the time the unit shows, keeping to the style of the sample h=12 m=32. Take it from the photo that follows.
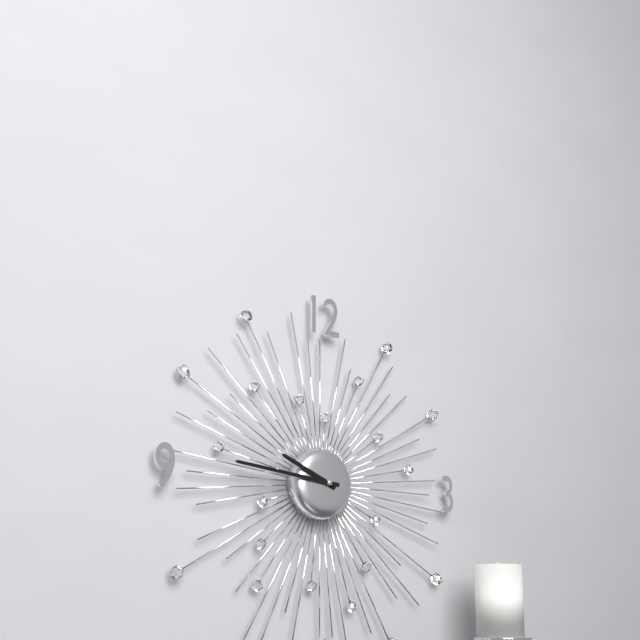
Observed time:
h=9 m=46
